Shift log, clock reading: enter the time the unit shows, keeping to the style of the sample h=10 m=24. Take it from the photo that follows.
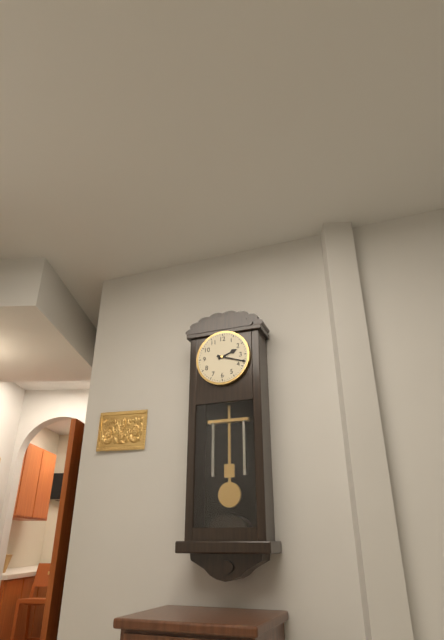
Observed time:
h=2 m=18
